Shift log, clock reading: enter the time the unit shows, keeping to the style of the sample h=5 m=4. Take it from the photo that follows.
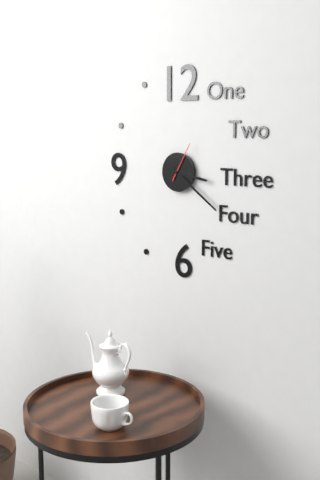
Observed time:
h=3 m=21
